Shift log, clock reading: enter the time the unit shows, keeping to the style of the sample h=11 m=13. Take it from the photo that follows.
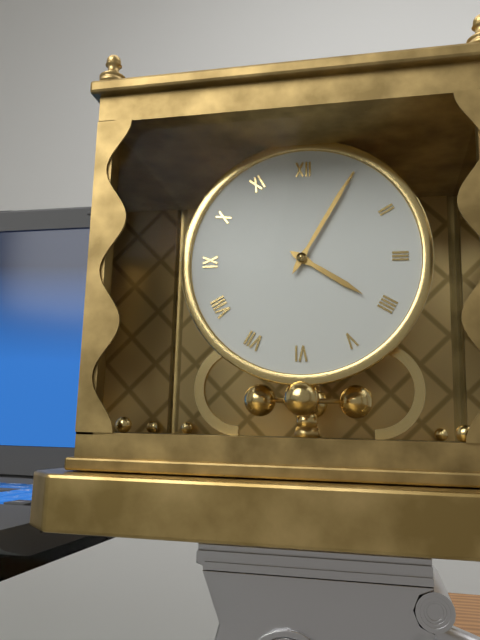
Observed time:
h=4 m=5
